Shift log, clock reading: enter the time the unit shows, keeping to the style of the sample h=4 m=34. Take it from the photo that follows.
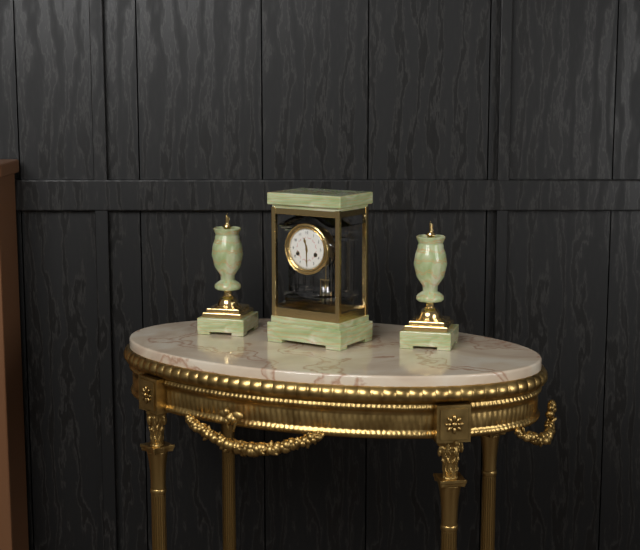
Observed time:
h=11 m=30
